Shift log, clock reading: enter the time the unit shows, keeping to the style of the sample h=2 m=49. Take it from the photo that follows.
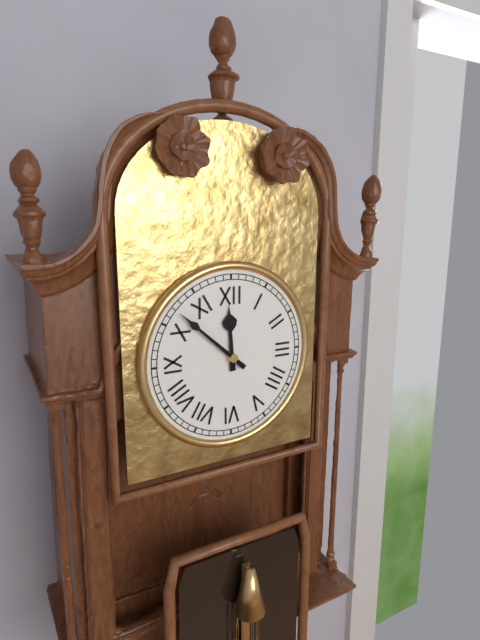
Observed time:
h=11 m=52
